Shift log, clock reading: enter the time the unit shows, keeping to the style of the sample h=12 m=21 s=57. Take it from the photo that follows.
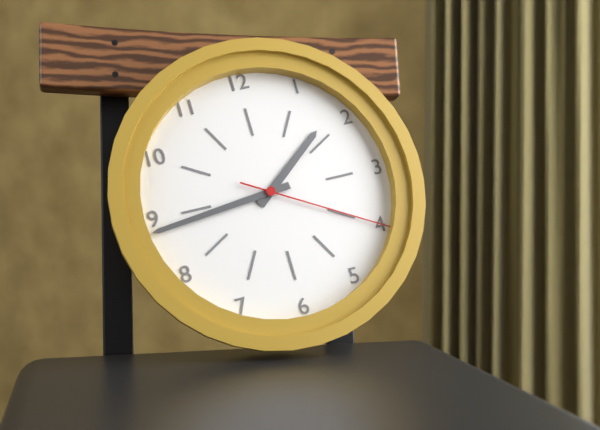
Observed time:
h=1 m=44 s=20
